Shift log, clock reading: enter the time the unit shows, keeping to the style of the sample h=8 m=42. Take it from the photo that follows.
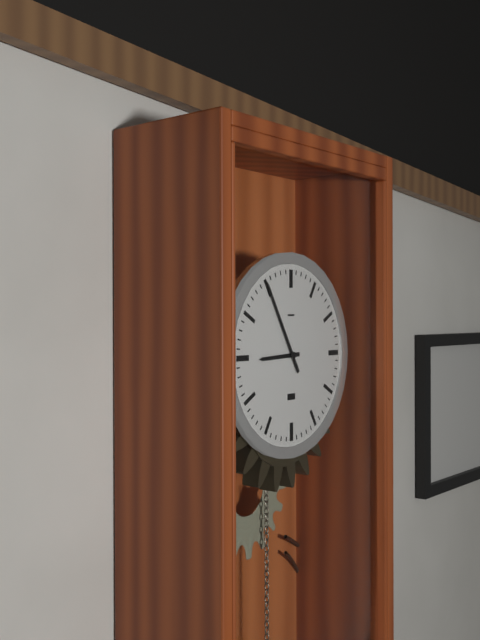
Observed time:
h=8 m=55
